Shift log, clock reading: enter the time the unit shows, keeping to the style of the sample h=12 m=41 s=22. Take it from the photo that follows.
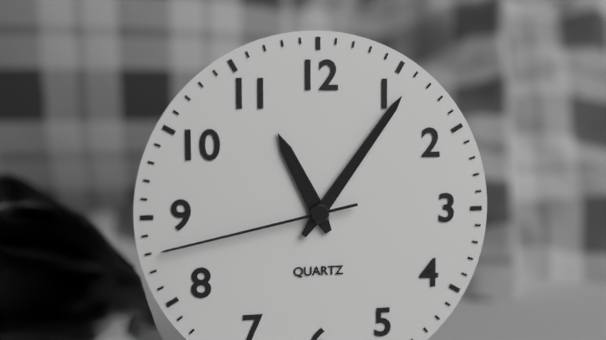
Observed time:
h=11 m=6 s=43
